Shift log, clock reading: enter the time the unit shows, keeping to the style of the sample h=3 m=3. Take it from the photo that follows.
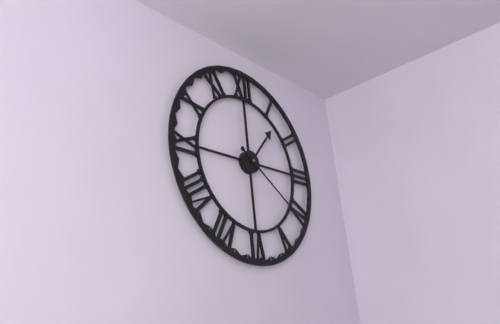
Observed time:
h=1 m=21
